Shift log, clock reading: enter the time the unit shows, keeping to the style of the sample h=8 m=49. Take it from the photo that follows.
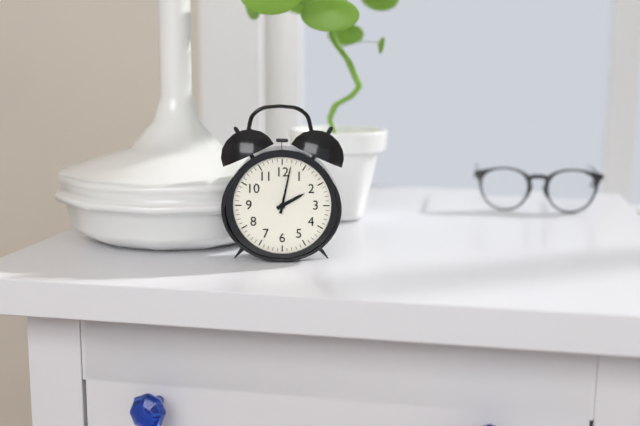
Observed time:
h=2 m=2
